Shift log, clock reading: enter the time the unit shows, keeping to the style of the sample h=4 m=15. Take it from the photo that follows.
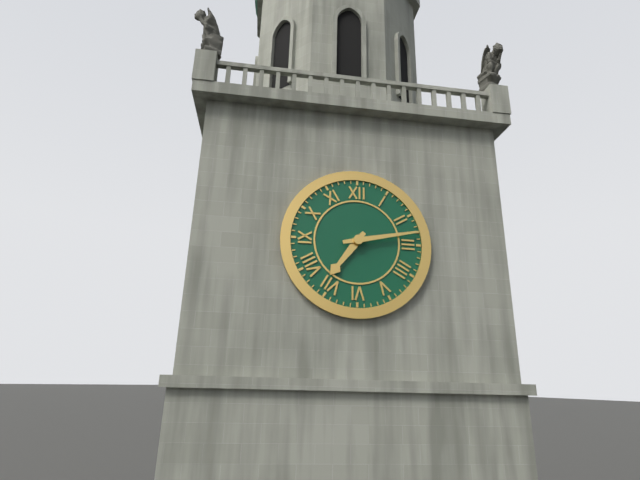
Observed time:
h=7 m=13
